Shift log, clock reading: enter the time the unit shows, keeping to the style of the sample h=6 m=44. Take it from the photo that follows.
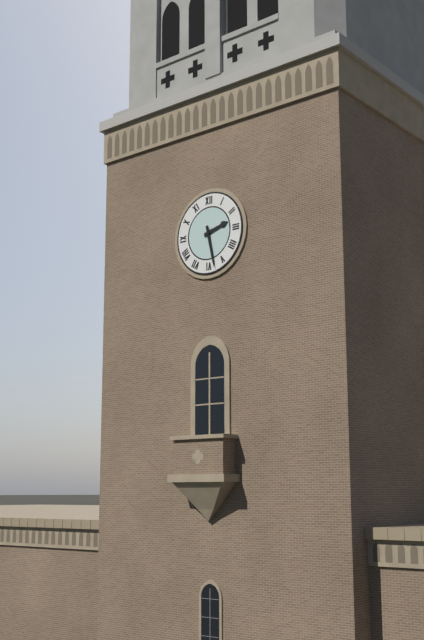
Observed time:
h=2 m=28
